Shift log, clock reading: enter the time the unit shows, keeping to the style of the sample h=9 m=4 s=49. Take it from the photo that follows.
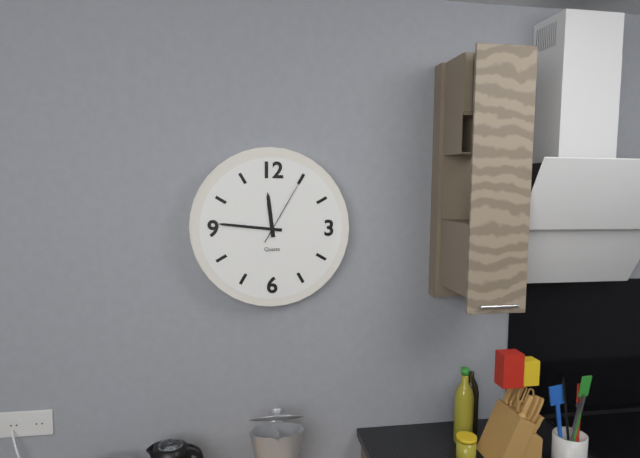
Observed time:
h=11 m=46 s=5
